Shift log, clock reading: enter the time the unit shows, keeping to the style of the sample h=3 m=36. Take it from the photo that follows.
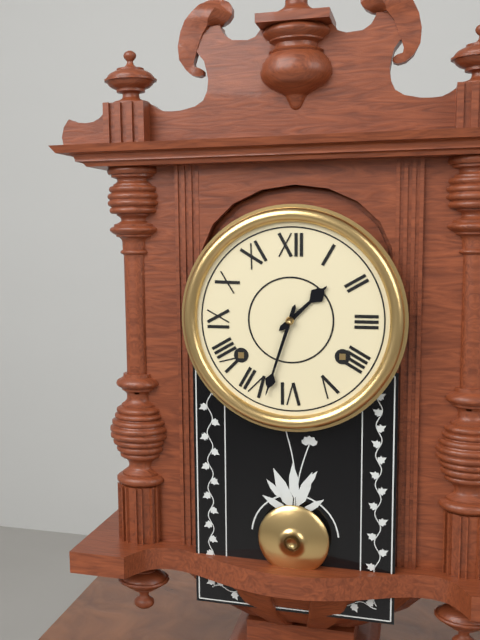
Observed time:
h=1 m=33
